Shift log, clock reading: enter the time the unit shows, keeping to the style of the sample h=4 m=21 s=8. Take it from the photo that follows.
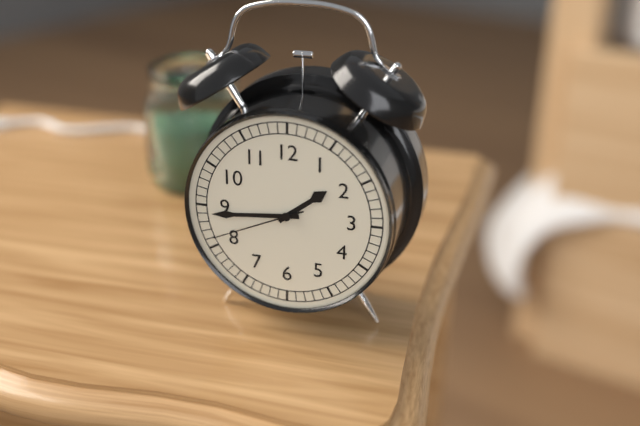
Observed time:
h=1 m=44 s=41
